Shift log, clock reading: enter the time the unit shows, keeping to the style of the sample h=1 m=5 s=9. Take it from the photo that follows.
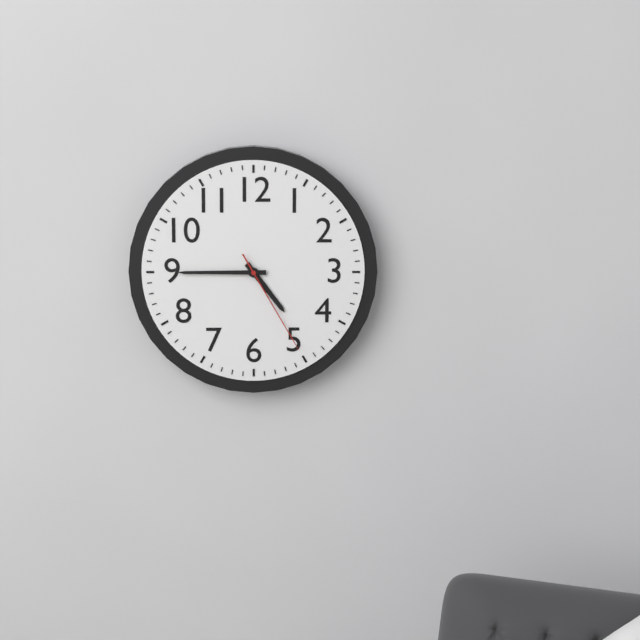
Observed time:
h=4 m=45 s=25
